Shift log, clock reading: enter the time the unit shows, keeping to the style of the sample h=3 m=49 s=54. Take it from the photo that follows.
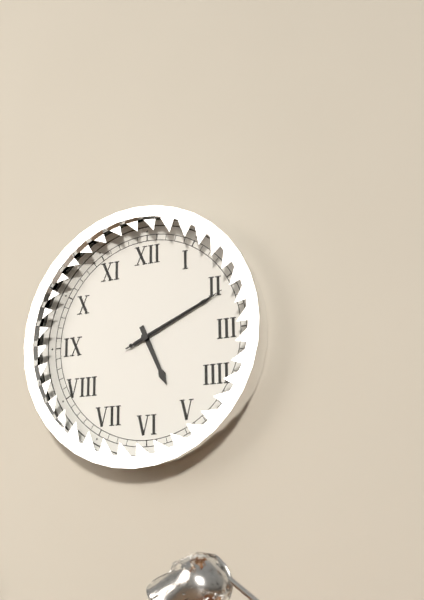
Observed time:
h=5 m=11 s=11
